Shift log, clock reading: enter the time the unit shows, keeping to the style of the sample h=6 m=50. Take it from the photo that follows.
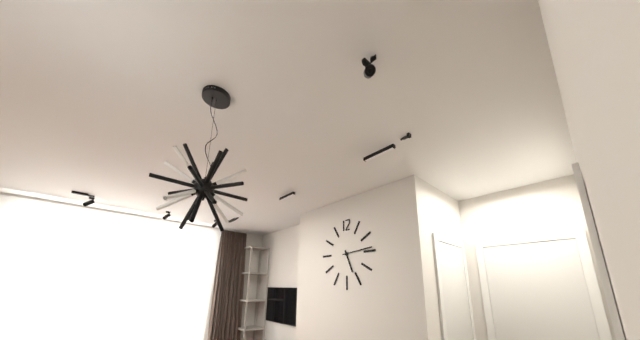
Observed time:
h=5 m=14
